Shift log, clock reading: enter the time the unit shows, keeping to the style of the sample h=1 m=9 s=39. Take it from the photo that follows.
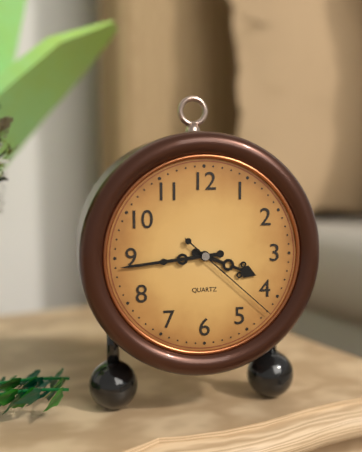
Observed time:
h=3 m=44 s=22
